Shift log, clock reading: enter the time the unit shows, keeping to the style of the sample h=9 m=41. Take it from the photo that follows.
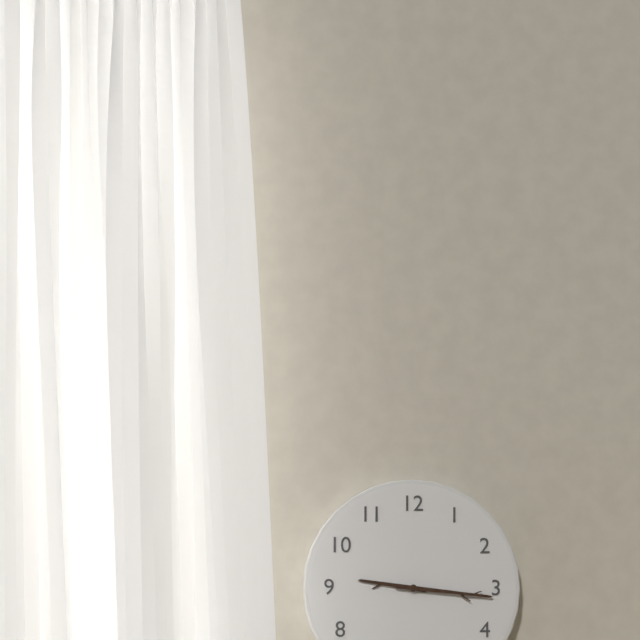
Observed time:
h=9 m=16
